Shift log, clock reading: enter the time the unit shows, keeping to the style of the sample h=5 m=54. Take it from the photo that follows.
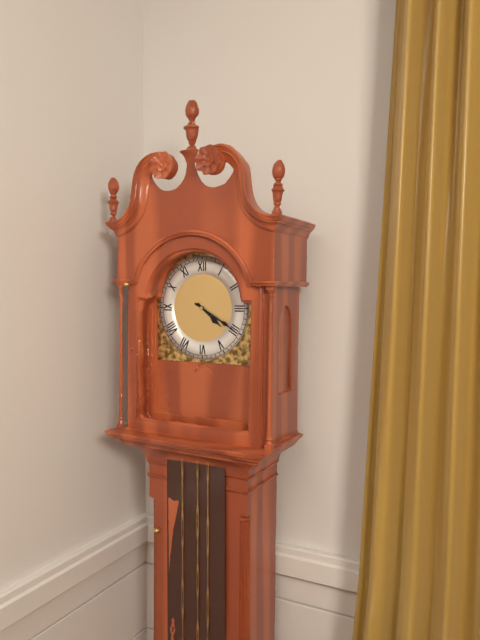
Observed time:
h=4 m=20
